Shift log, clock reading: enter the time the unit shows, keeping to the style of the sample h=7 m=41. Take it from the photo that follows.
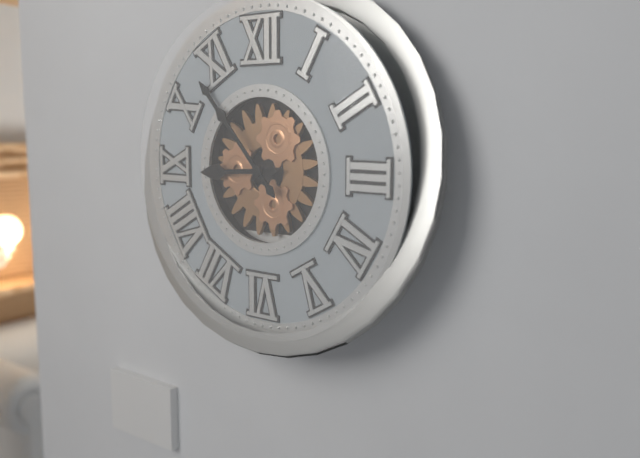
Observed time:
h=8 m=53
